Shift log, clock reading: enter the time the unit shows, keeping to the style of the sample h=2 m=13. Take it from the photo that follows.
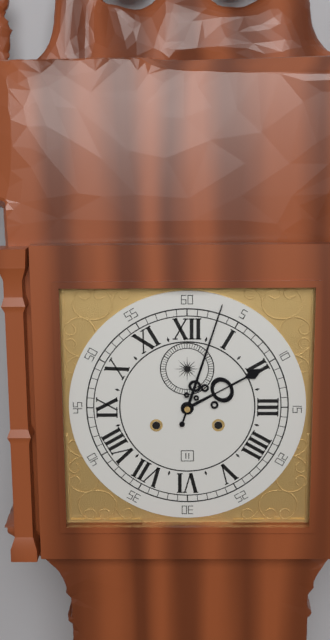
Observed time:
h=2 m=3
